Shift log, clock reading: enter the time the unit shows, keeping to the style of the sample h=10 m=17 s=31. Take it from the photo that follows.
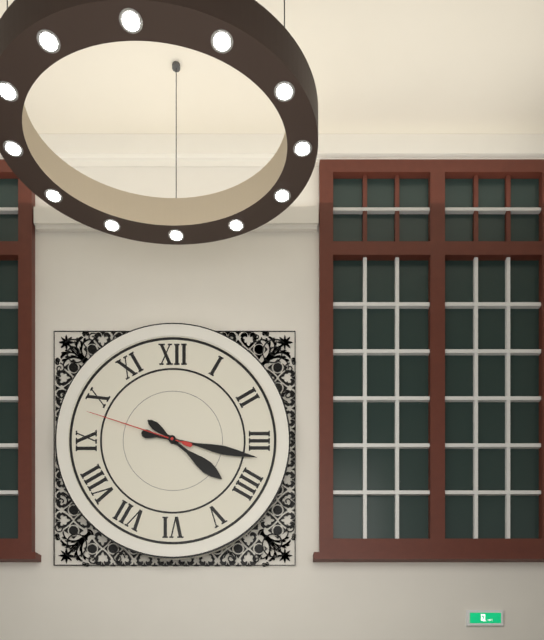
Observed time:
h=4 m=17 s=48
